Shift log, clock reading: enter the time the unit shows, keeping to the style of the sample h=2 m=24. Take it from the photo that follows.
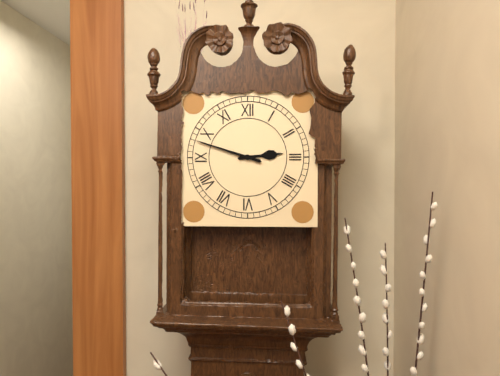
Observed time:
h=2 m=48
